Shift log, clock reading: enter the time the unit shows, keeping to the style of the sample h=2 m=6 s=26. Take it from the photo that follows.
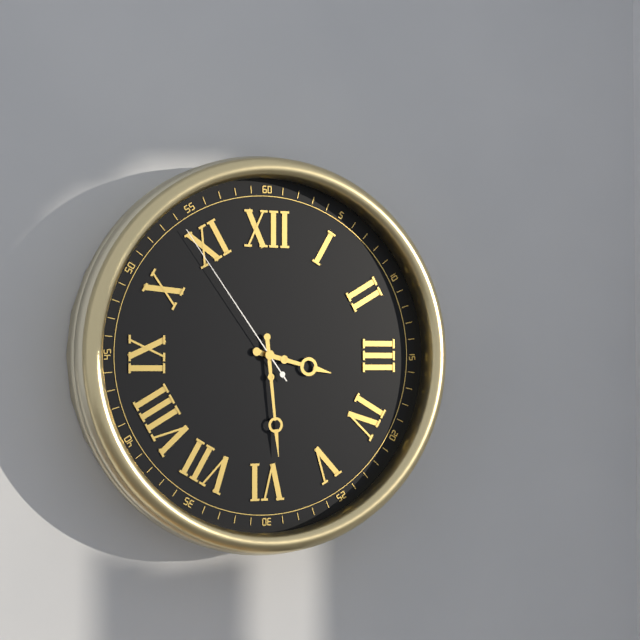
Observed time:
h=3 m=29 s=54
